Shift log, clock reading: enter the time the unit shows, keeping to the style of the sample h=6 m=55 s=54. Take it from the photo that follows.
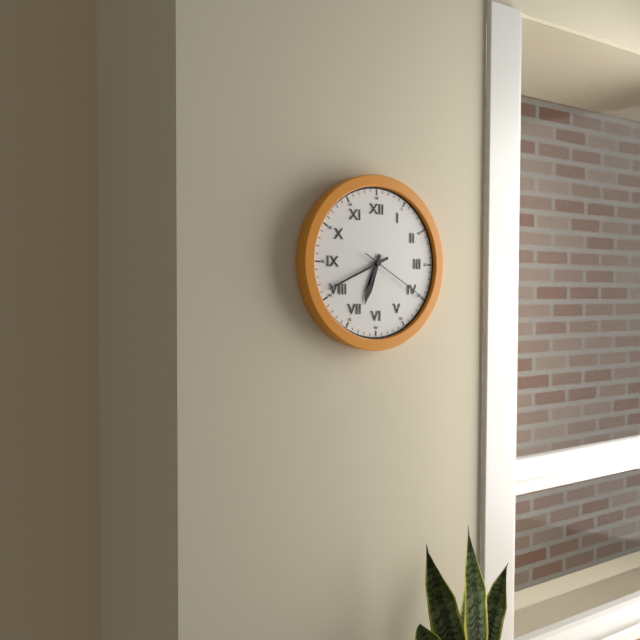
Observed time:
h=6 m=41 s=20
